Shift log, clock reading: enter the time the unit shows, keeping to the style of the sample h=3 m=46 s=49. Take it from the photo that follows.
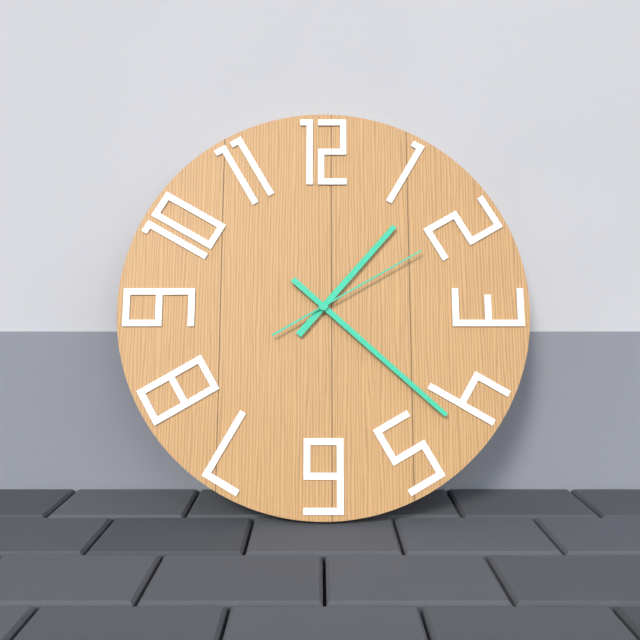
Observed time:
h=1 m=22 s=10
